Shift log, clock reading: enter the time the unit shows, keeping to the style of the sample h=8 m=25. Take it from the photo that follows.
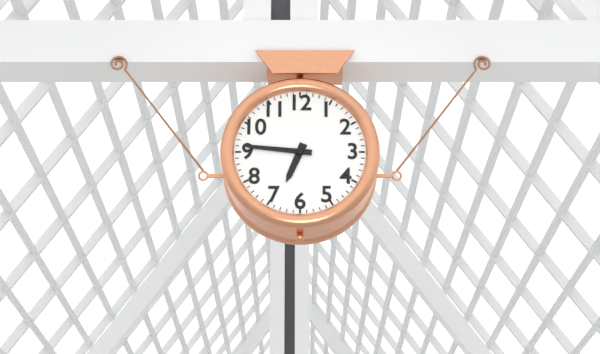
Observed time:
h=6 m=46
